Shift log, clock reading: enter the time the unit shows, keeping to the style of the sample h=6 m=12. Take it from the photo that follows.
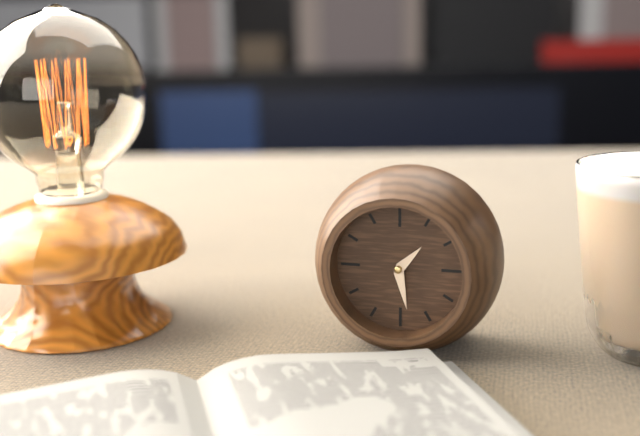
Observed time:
h=1 m=28
